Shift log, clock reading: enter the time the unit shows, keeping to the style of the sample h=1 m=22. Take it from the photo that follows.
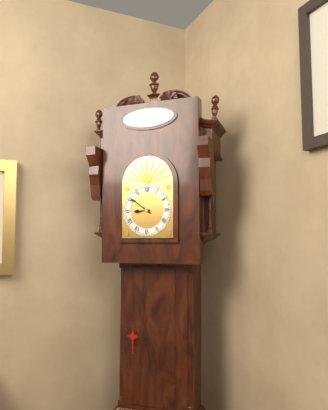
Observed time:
h=8 m=51
